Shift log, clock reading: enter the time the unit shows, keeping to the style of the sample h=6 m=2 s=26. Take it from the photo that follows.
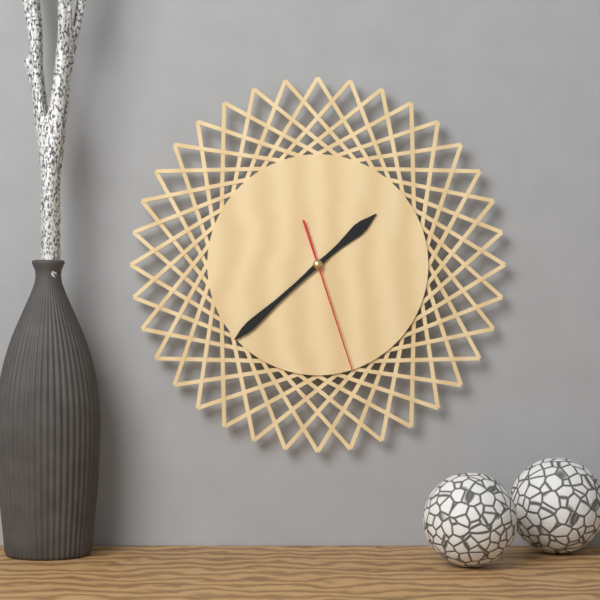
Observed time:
h=1 m=38 s=27
